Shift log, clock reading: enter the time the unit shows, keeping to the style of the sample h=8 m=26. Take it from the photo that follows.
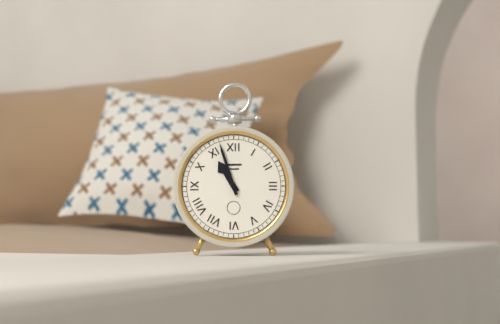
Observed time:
h=10 m=57
